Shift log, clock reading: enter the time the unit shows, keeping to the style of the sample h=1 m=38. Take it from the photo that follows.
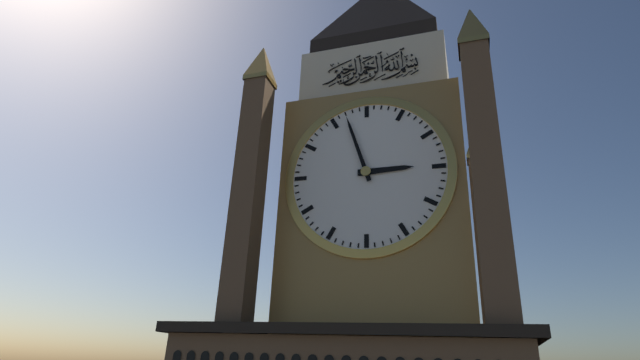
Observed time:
h=2 m=57
